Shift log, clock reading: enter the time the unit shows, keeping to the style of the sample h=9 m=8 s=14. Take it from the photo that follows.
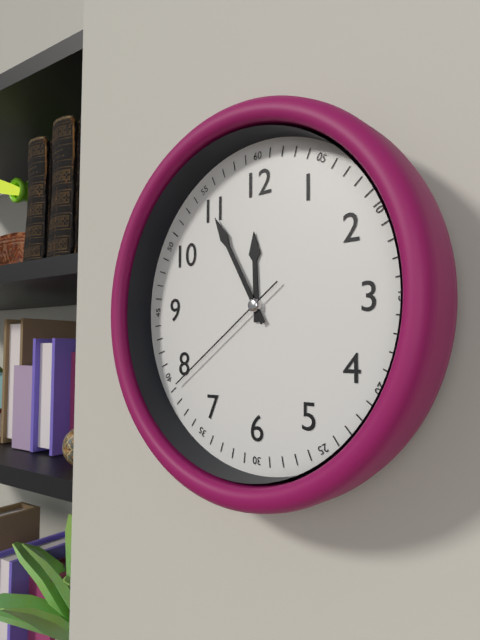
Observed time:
h=11 m=55 s=39
